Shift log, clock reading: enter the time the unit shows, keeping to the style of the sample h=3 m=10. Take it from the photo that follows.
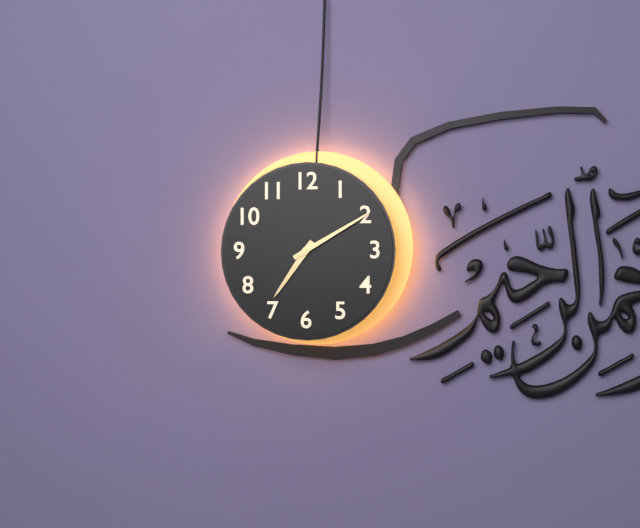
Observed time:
h=7 m=10
